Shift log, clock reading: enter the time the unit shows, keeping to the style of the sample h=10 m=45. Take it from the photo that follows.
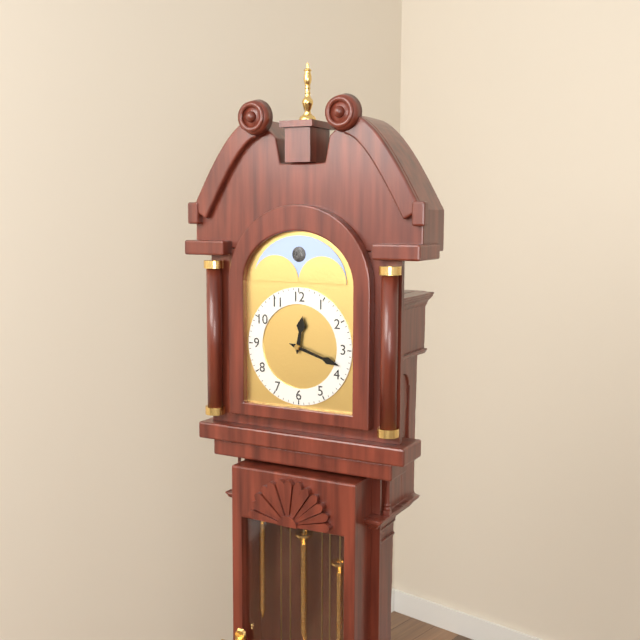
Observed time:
h=12 m=18
